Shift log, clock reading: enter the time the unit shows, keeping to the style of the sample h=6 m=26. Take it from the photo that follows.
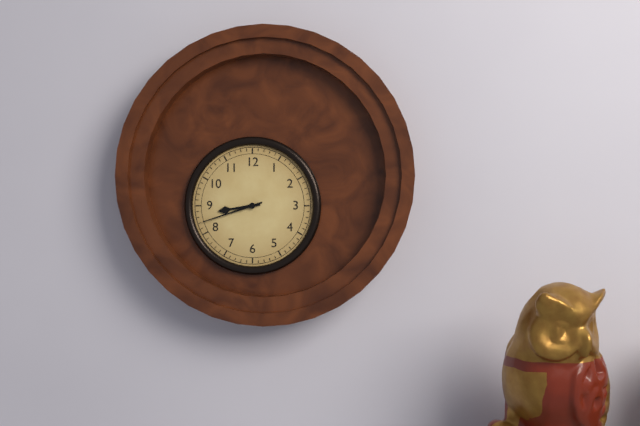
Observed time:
h=8 m=42
